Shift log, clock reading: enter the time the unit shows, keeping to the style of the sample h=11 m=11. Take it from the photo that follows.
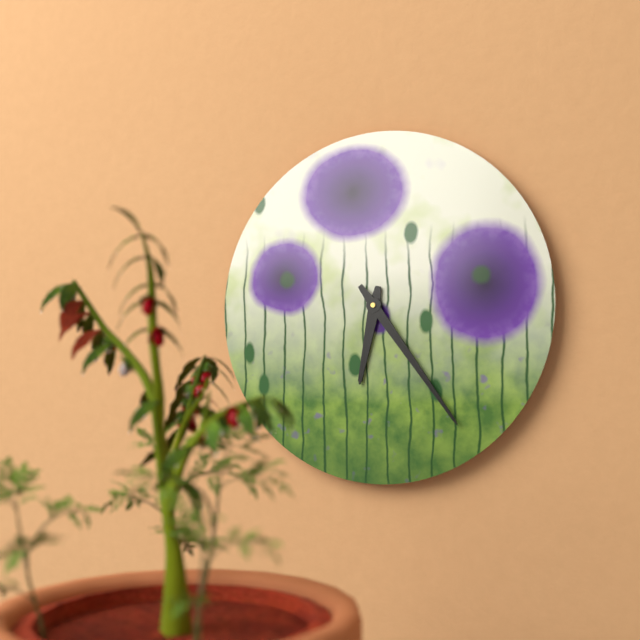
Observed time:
h=6 m=24
